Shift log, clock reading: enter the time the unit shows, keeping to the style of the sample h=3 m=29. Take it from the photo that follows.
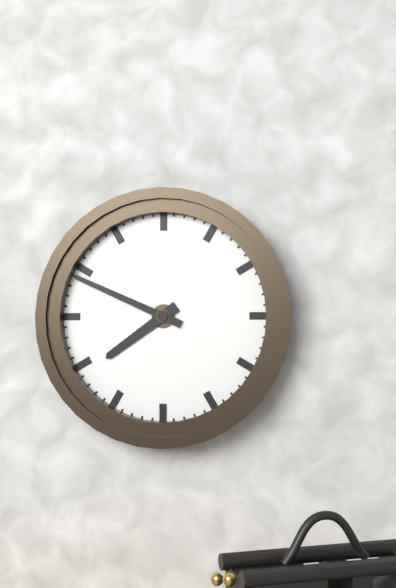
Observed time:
h=7 m=49
